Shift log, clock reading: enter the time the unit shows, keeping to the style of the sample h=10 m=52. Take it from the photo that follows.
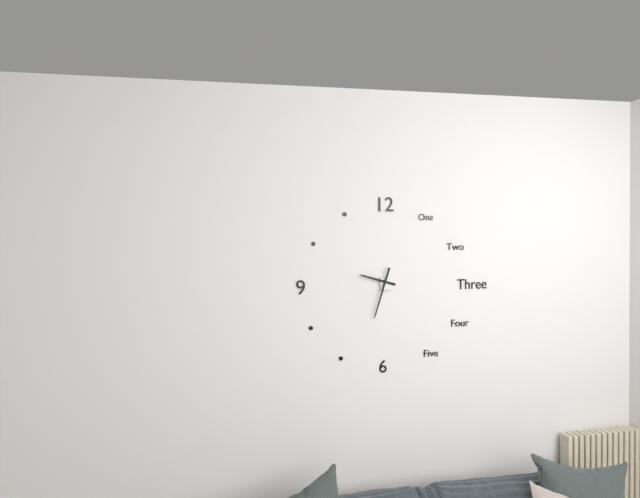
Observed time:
h=9 m=33
